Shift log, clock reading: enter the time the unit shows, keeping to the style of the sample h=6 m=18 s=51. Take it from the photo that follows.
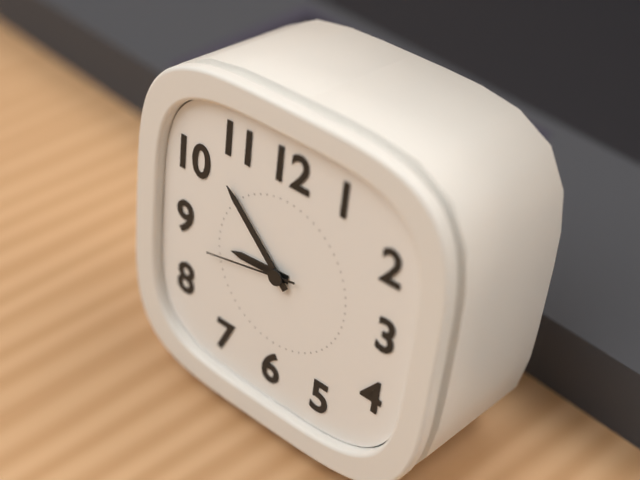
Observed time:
h=8 m=52 s=43
